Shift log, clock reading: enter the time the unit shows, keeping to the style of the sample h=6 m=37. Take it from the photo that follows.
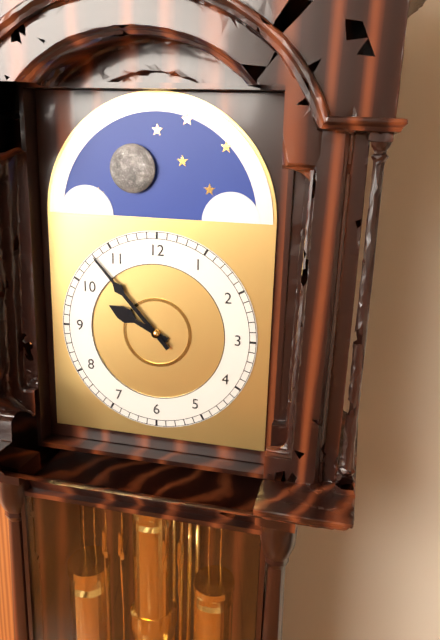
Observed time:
h=9 m=53
